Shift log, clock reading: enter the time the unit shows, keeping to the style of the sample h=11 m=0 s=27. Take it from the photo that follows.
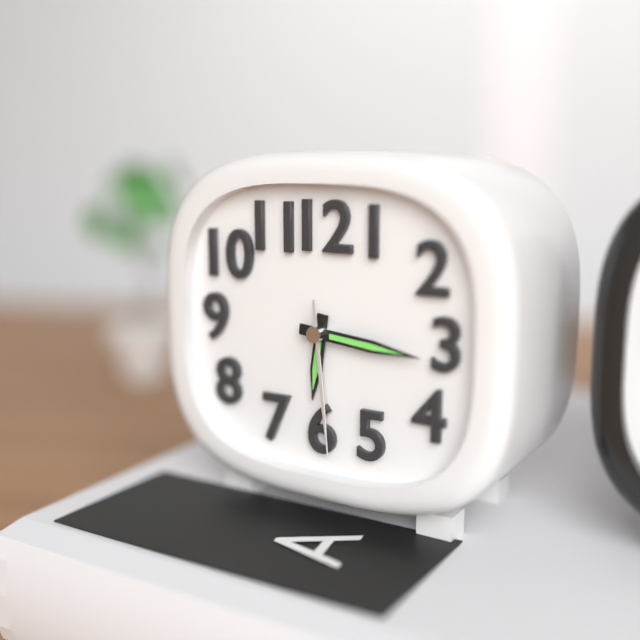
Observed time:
h=6 m=16 s=29
